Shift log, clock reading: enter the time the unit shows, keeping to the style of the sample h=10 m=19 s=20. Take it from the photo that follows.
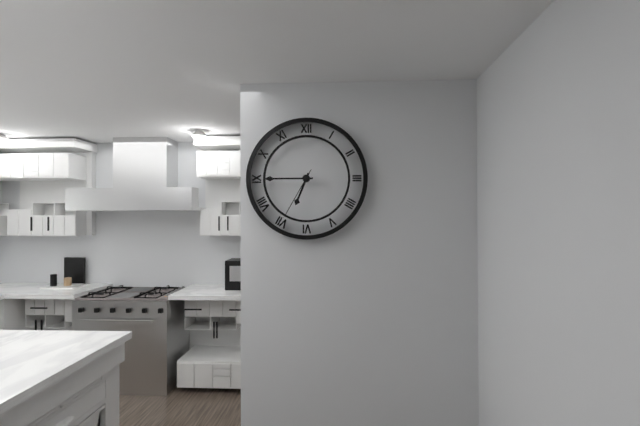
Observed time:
h=6 m=45 s=35
